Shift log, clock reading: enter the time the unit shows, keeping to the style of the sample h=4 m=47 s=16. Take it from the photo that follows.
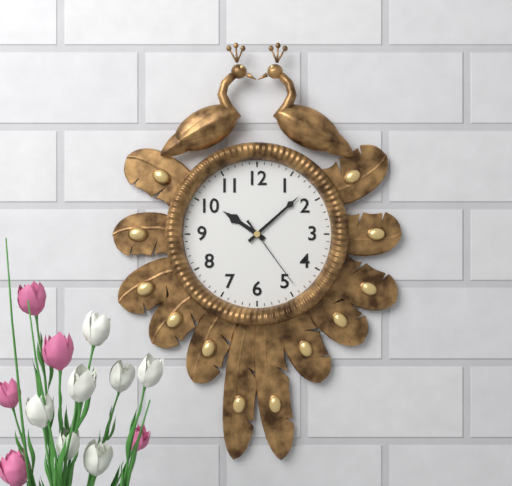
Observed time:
h=10 m=8 s=24
